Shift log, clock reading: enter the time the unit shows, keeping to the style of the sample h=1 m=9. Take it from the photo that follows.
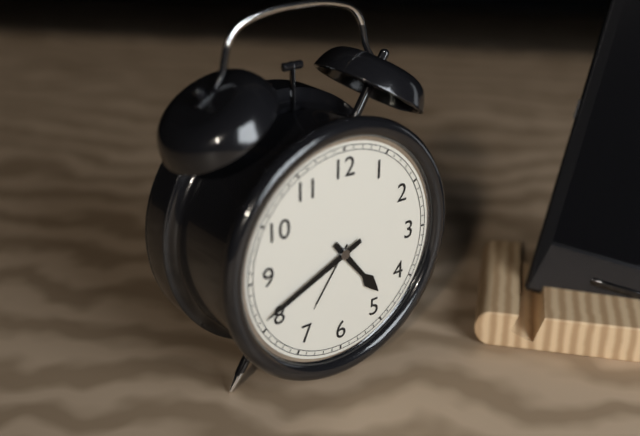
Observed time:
h=4 m=41
